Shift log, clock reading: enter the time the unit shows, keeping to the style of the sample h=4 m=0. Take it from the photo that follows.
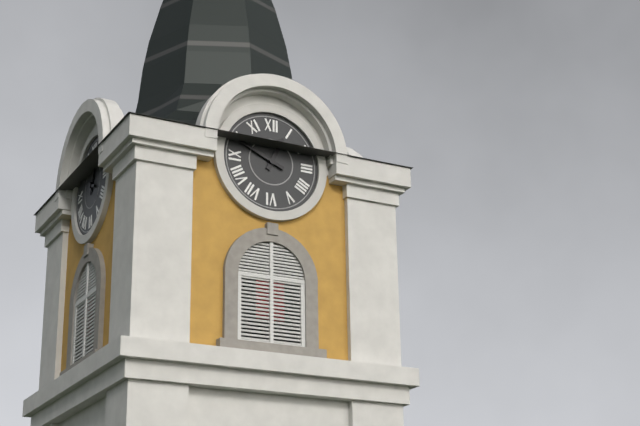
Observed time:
h=12 m=49
